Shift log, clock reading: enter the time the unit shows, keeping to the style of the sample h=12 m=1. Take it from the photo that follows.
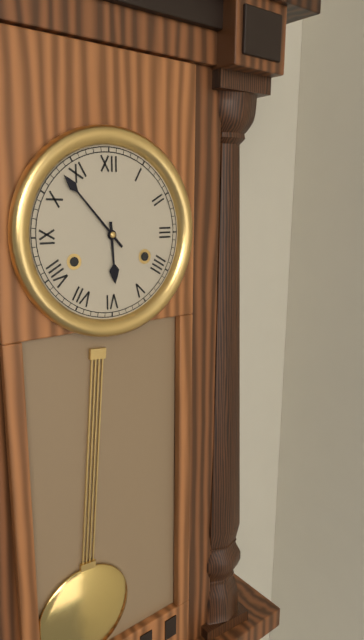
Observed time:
h=5 m=53
